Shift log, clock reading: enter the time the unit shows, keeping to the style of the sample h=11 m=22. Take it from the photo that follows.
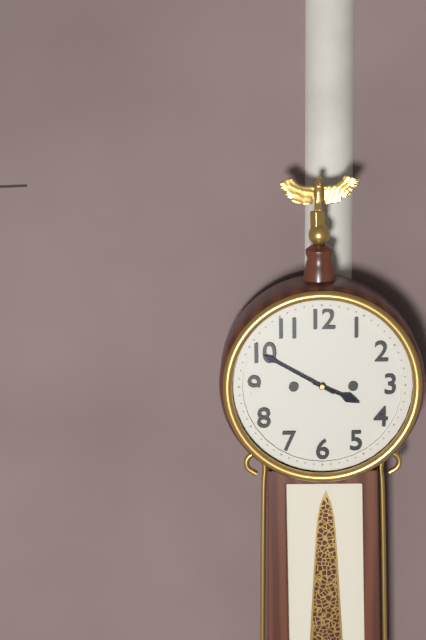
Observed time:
h=3 m=50
